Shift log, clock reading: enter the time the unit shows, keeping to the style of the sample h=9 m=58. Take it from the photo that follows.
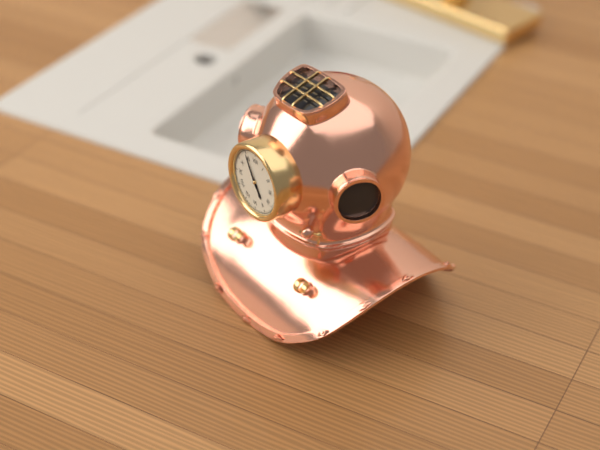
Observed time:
h=4 m=55
